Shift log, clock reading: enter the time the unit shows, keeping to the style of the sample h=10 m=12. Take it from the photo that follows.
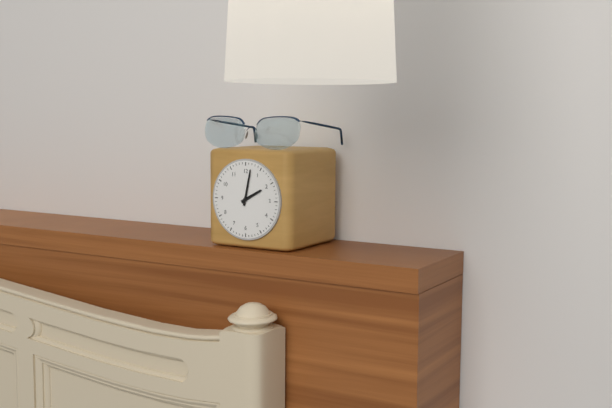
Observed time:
h=2 m=2
